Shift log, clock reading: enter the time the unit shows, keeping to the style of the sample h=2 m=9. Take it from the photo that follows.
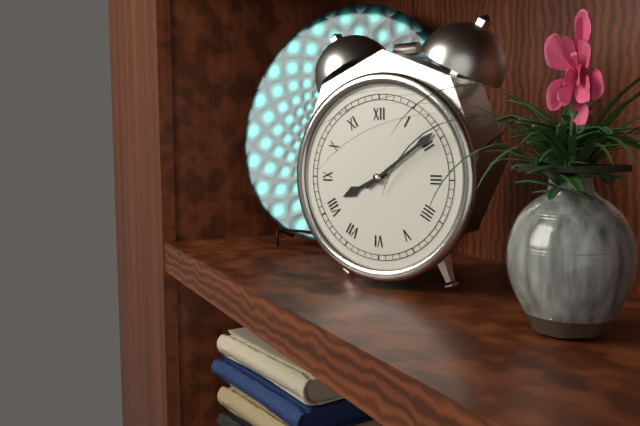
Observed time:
h=8 m=9
